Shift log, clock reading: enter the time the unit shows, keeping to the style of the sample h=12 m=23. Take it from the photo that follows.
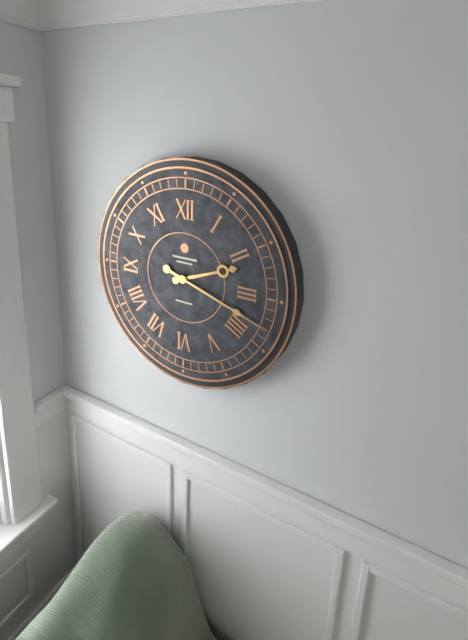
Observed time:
h=2 m=18
